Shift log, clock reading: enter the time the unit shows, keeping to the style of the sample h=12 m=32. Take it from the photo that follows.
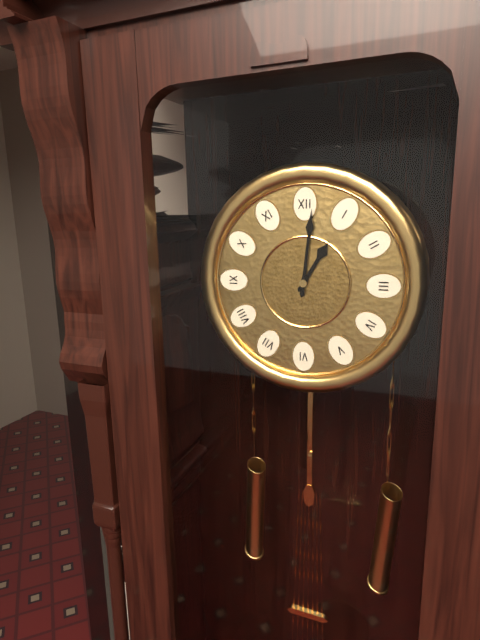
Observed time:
h=1 m=1
